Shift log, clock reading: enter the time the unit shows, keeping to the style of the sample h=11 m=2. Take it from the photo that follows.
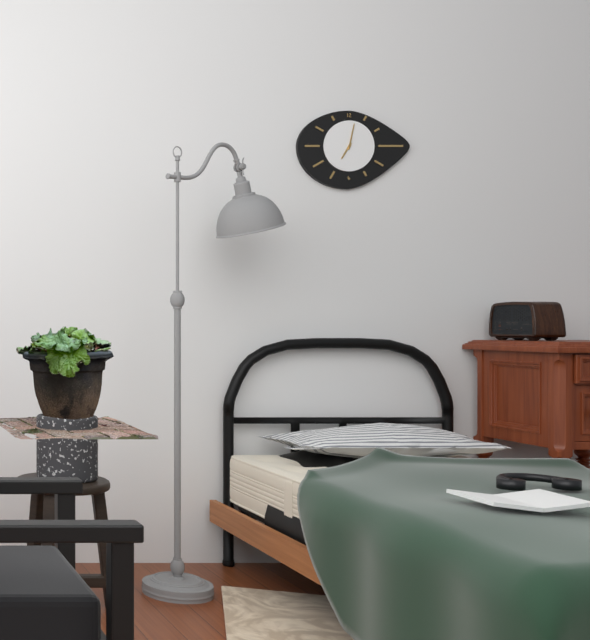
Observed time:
h=7 m=2
